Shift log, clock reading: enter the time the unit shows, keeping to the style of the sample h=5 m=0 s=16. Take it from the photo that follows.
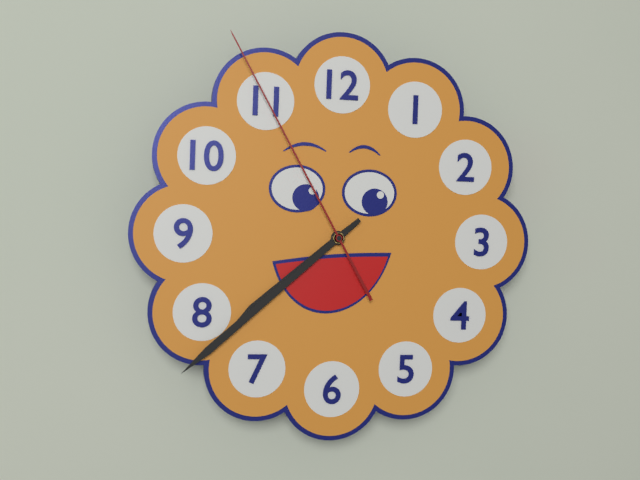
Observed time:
h=7 m=38 s=55
